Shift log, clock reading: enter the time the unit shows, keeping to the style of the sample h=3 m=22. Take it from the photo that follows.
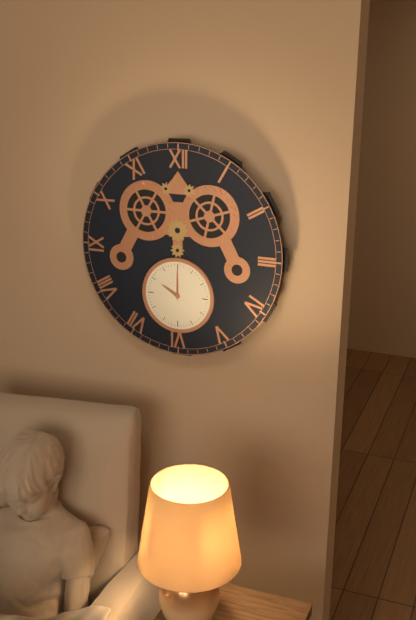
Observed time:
h=10 m=0
